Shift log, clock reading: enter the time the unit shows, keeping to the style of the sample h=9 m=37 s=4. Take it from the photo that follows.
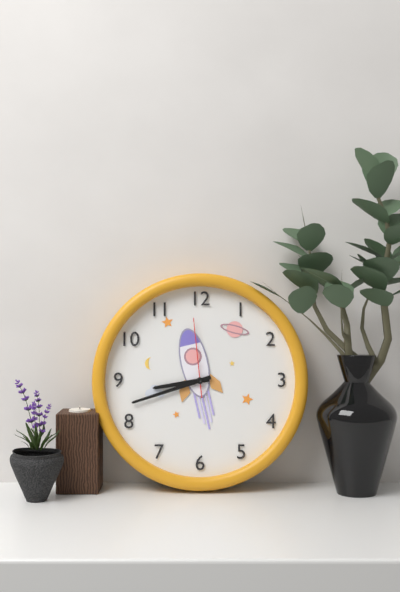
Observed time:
h=8 m=42 s=59
